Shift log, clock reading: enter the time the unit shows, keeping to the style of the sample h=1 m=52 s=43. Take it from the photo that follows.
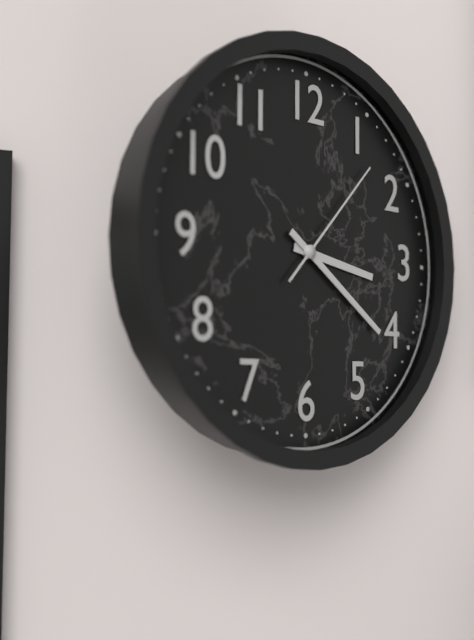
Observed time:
h=3 m=21 s=7
